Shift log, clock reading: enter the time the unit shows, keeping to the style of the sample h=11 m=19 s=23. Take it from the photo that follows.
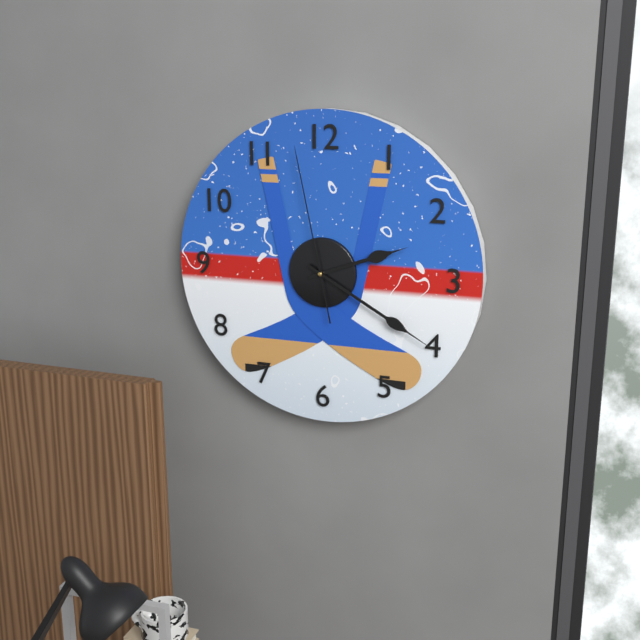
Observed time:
h=2 m=20 s=58
